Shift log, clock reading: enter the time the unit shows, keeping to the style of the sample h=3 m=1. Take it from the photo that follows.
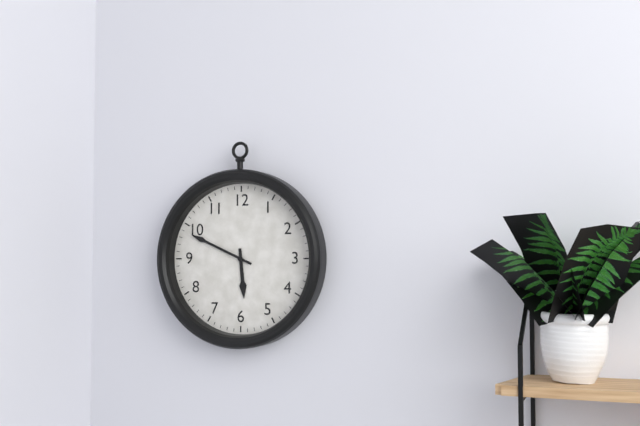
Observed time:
h=5 m=49
